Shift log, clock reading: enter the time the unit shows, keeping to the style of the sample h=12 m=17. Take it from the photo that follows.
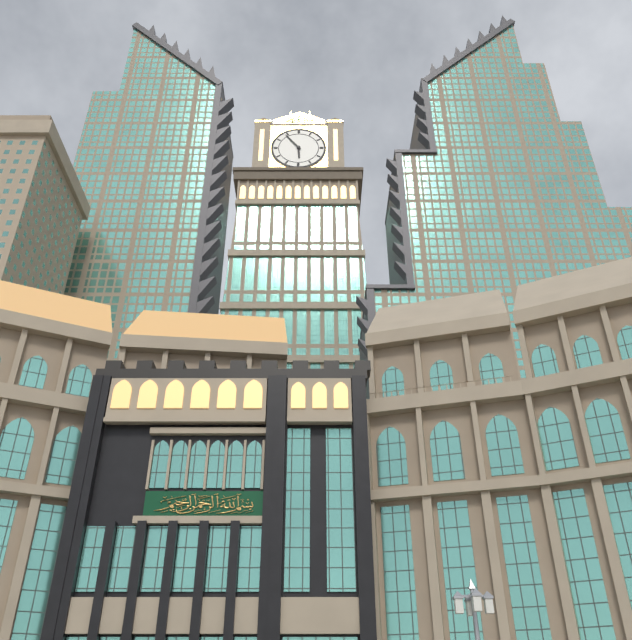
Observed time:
h=5 m=54
